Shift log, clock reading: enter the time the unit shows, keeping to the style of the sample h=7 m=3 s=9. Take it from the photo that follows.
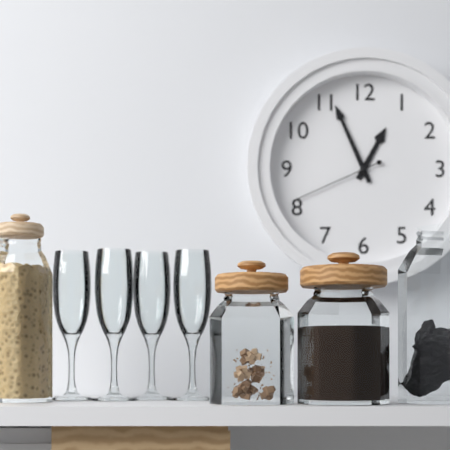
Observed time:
h=12 m=56 s=41
